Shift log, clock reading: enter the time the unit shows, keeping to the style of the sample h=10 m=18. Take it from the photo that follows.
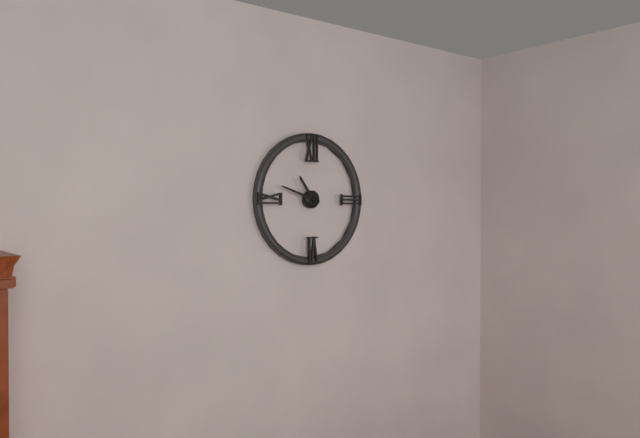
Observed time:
h=10 m=48
